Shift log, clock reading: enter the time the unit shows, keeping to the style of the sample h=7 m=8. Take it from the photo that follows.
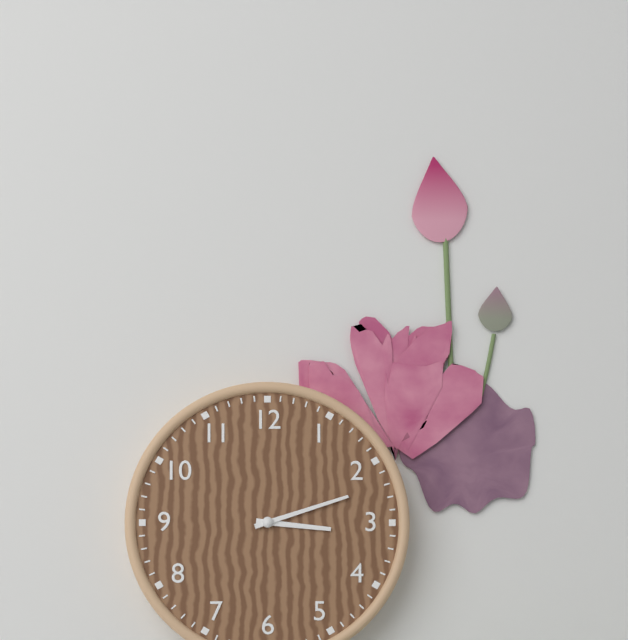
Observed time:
h=3 m=12
